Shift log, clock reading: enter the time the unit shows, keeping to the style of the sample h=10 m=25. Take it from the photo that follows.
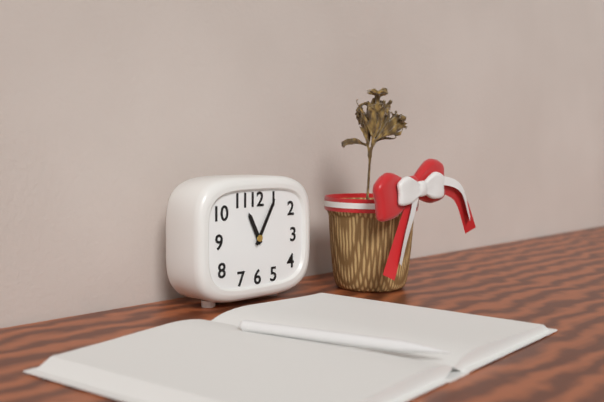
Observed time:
h=11 m=5
